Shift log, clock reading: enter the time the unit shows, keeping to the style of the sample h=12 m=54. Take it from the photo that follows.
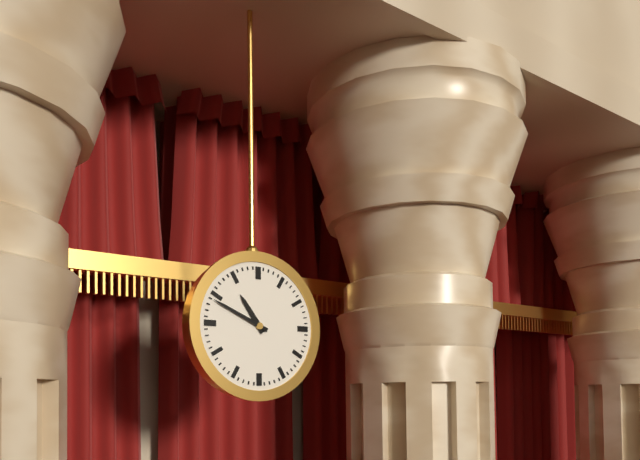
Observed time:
h=10 m=49
